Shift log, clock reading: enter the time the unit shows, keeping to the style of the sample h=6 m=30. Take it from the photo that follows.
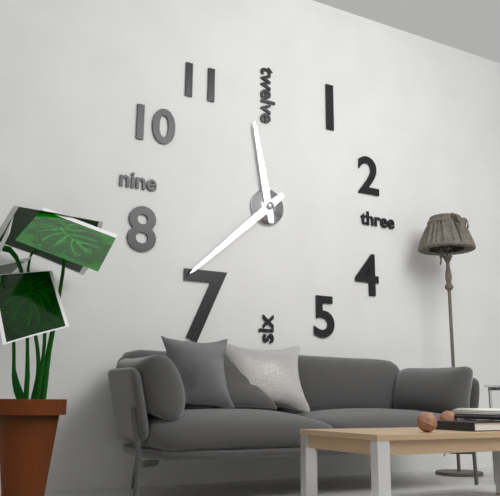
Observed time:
h=11 m=38
